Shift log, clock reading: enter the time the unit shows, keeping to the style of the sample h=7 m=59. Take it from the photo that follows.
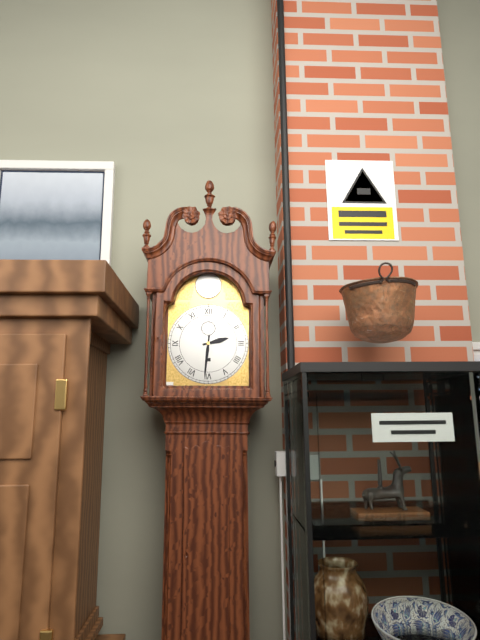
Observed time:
h=2 m=31
